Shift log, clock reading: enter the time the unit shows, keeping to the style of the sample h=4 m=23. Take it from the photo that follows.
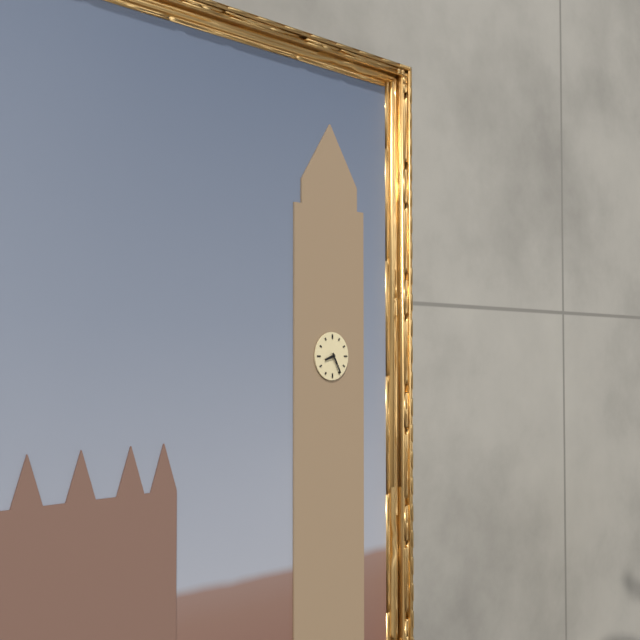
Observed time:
h=8 m=25
